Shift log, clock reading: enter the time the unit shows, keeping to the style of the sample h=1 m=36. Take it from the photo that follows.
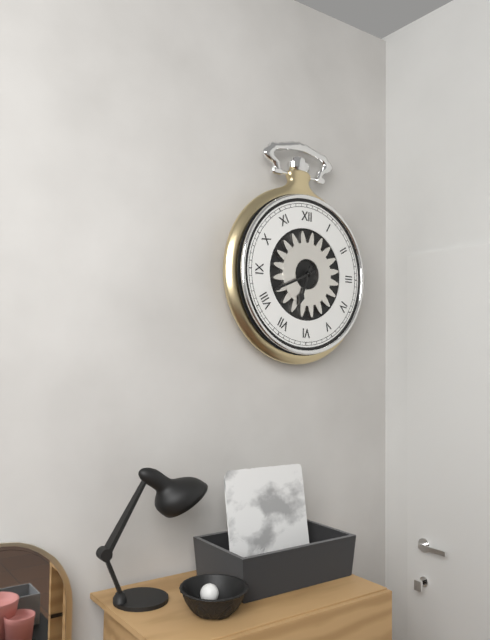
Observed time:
h=6 m=41
